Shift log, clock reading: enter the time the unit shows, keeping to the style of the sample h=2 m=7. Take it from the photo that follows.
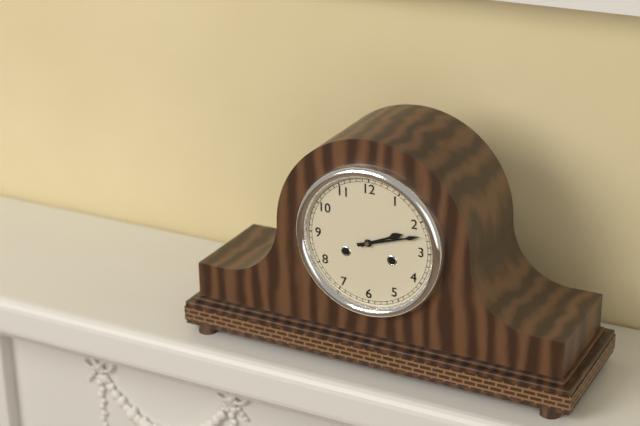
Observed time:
h=2 m=12
